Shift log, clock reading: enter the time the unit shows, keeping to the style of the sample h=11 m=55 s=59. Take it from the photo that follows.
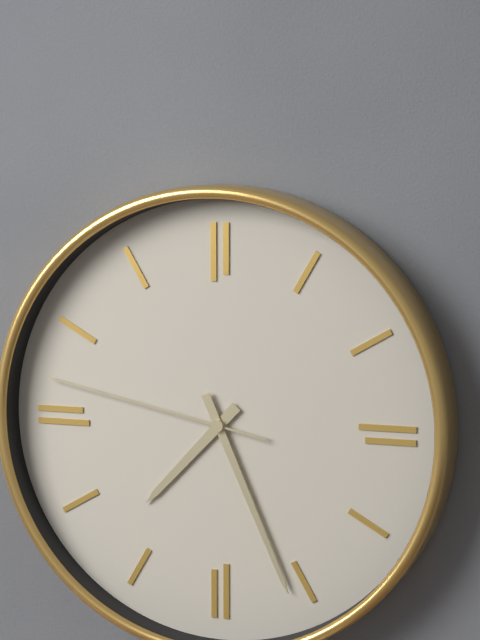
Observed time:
h=7 m=26 s=47
